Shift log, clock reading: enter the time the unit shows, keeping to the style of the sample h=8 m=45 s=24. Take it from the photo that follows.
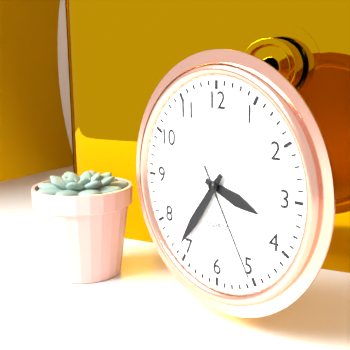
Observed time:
h=3 m=36 s=25
